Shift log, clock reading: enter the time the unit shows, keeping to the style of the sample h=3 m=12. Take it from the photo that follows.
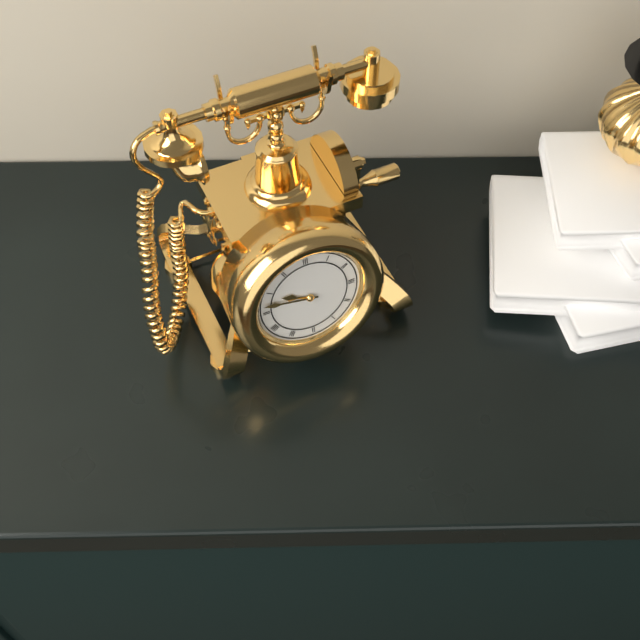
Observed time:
h=9 m=47
